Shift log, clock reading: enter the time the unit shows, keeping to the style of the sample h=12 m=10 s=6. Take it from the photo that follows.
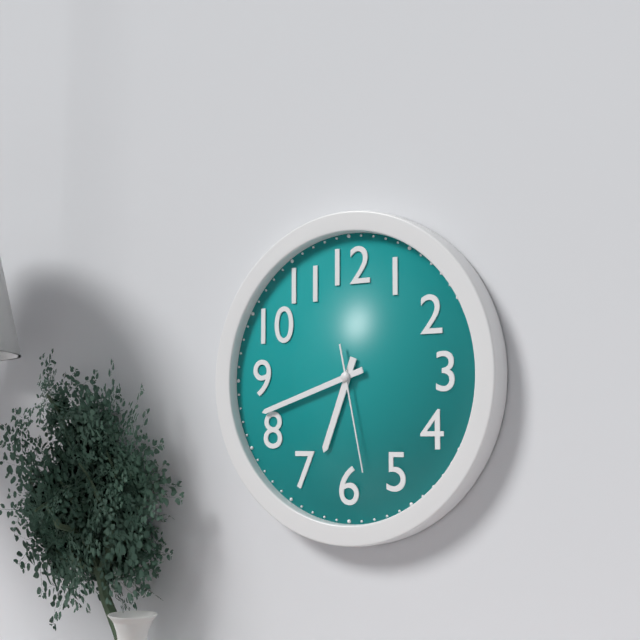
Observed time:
h=6 m=42 s=28
